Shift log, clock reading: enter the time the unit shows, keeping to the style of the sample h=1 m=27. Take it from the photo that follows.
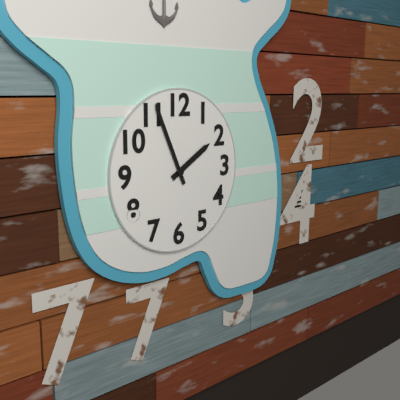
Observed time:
h=1 m=56
